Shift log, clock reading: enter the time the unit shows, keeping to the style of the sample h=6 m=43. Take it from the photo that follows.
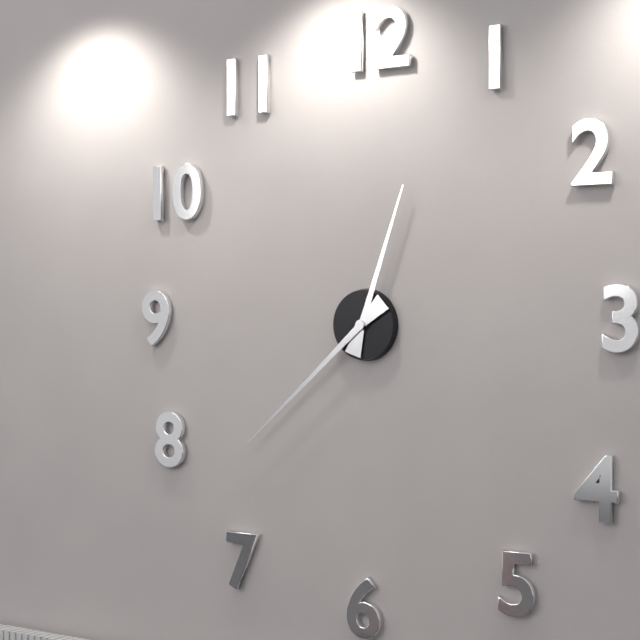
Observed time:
h=12 m=38
